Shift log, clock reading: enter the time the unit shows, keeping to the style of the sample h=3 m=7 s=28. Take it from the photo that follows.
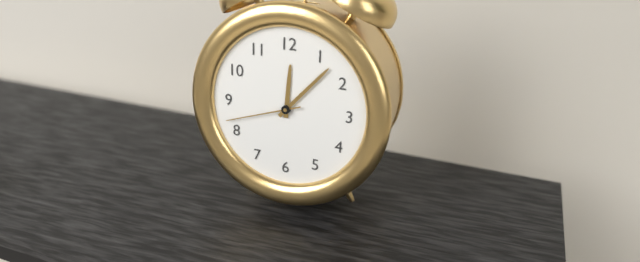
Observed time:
h=12 m=7 s=42
